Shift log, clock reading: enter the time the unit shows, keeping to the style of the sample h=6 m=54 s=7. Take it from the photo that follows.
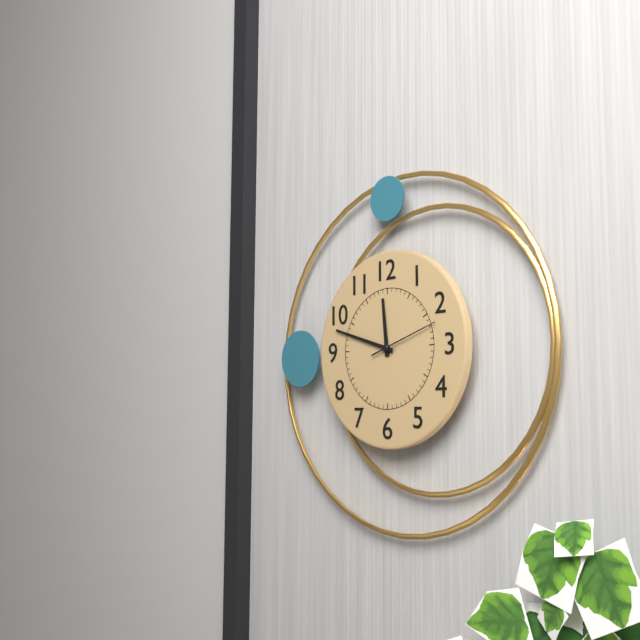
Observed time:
h=11 m=48 s=12
